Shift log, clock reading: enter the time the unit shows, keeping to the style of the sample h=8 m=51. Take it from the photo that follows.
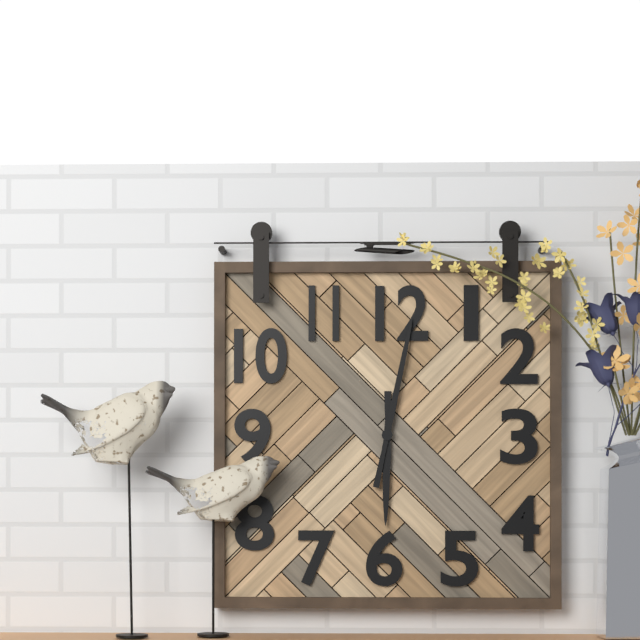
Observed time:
h=6 m=2
